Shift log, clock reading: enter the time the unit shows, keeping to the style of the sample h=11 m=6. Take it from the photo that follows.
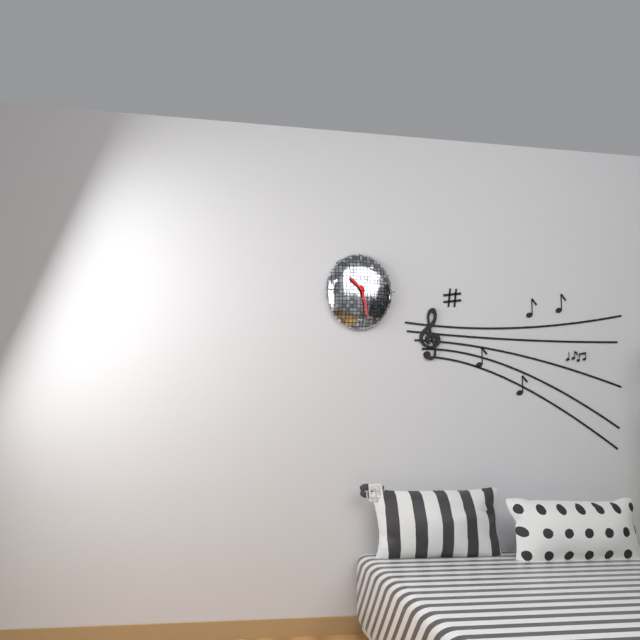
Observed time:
h=10 m=28
